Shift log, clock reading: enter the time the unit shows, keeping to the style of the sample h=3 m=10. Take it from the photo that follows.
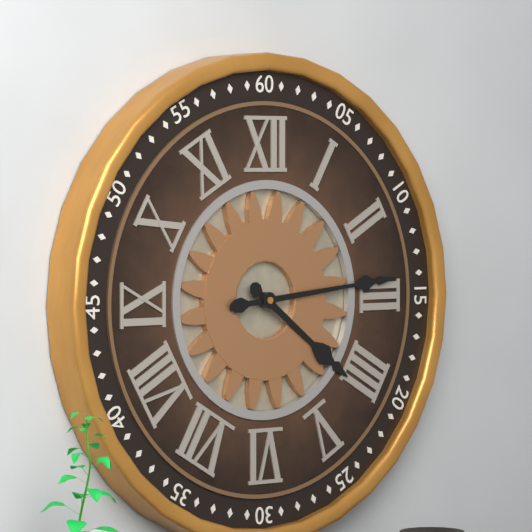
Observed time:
h=4 m=14
